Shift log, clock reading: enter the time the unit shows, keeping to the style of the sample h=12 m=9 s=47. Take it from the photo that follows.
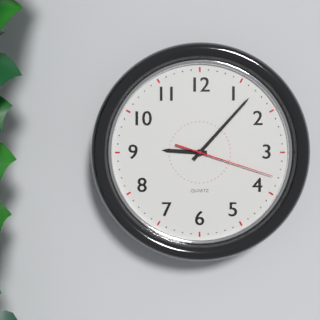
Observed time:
h=9 m=7 s=18
